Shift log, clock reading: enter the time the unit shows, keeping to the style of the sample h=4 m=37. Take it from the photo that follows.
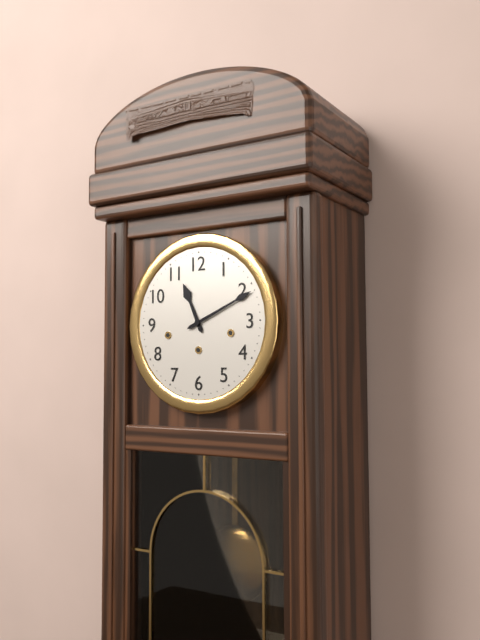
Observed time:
h=11 m=11
